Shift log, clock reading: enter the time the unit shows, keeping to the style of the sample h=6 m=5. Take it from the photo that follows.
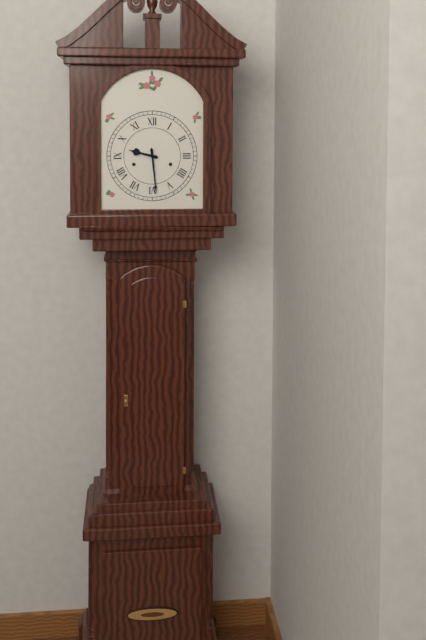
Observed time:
h=9 m=29
